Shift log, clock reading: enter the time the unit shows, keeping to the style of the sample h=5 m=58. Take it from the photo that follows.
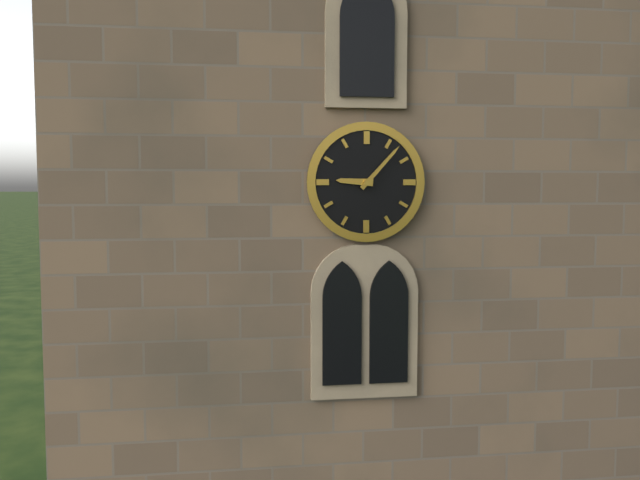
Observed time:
h=9 m=7
